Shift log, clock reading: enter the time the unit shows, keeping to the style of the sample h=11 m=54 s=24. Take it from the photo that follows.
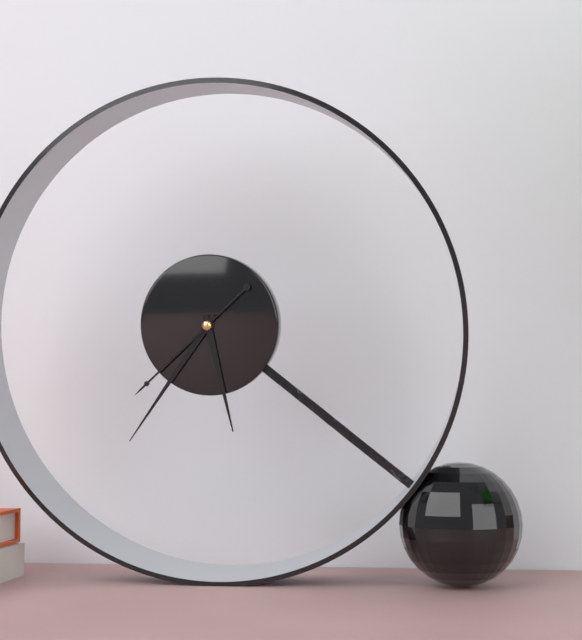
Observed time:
h=5 m=36 s=38
